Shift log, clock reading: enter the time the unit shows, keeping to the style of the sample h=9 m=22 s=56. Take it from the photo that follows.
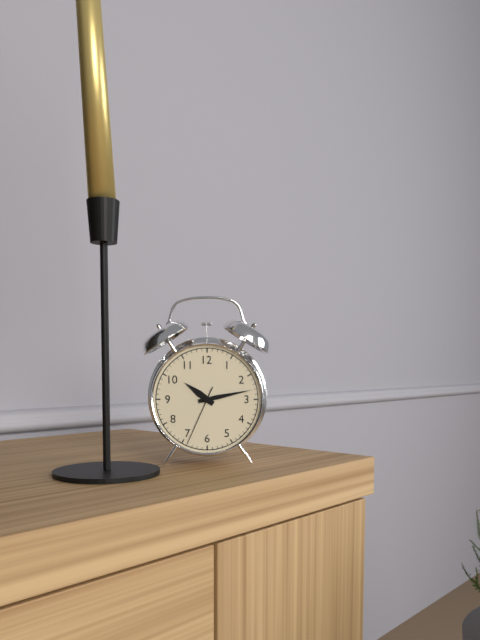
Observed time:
h=10 m=13 s=34
